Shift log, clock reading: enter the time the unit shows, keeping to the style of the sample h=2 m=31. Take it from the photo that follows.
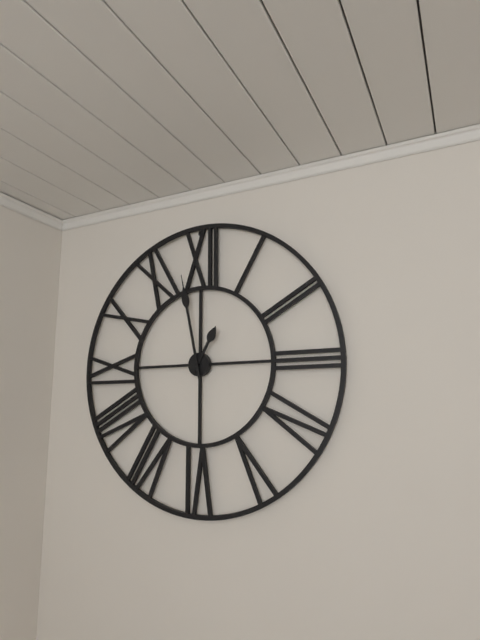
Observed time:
h=12 m=58
